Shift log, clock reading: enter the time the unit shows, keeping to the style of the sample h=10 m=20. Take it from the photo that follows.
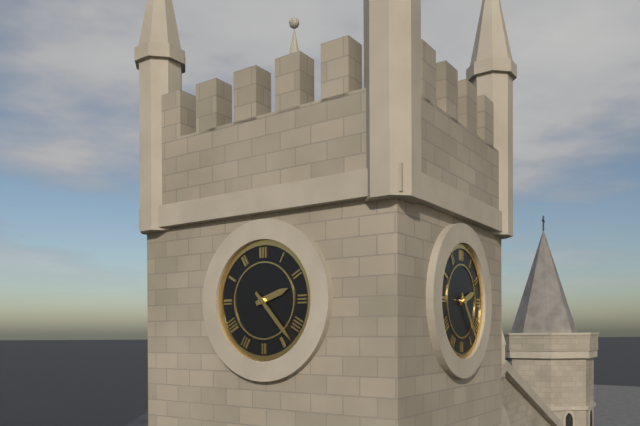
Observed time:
h=2 m=23
